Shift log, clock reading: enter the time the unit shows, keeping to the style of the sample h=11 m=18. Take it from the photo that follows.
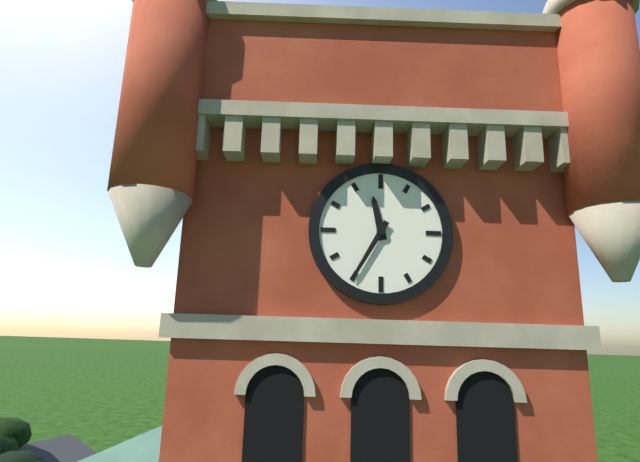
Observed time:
h=11 m=35
